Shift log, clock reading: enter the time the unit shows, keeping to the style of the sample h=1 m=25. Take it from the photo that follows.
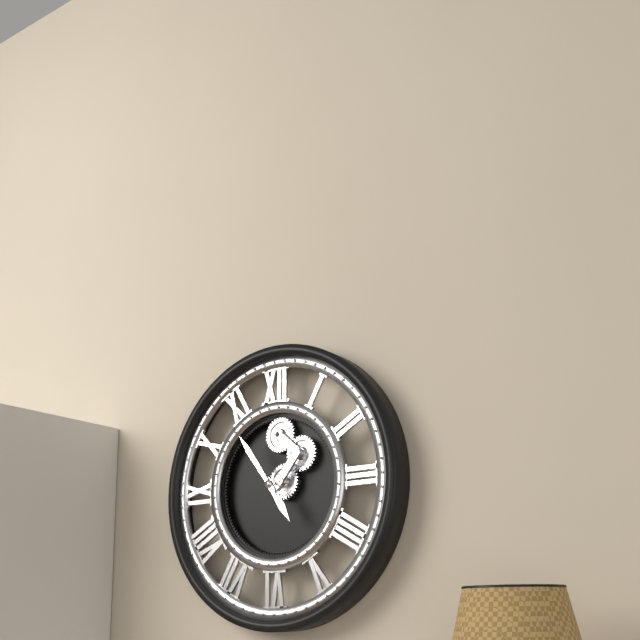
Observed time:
h=4 m=54
